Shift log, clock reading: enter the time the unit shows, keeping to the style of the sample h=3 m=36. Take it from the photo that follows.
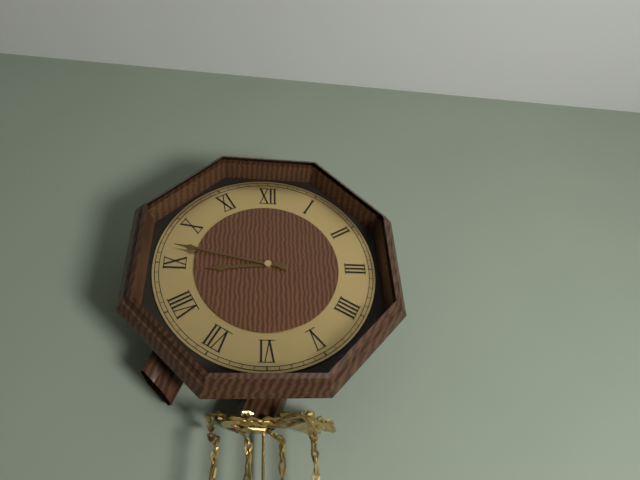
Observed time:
h=8 m=47
